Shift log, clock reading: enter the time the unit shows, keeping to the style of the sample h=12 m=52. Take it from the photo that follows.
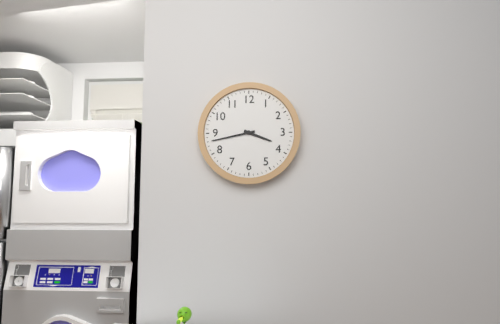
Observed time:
h=3 m=43
